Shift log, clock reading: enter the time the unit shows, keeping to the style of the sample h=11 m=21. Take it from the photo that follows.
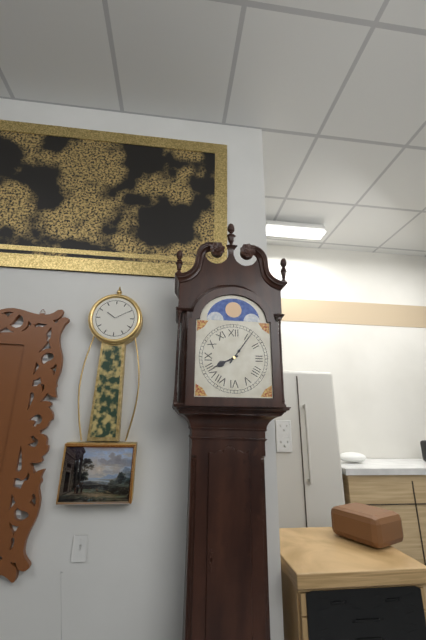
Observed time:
h=8 m=6
